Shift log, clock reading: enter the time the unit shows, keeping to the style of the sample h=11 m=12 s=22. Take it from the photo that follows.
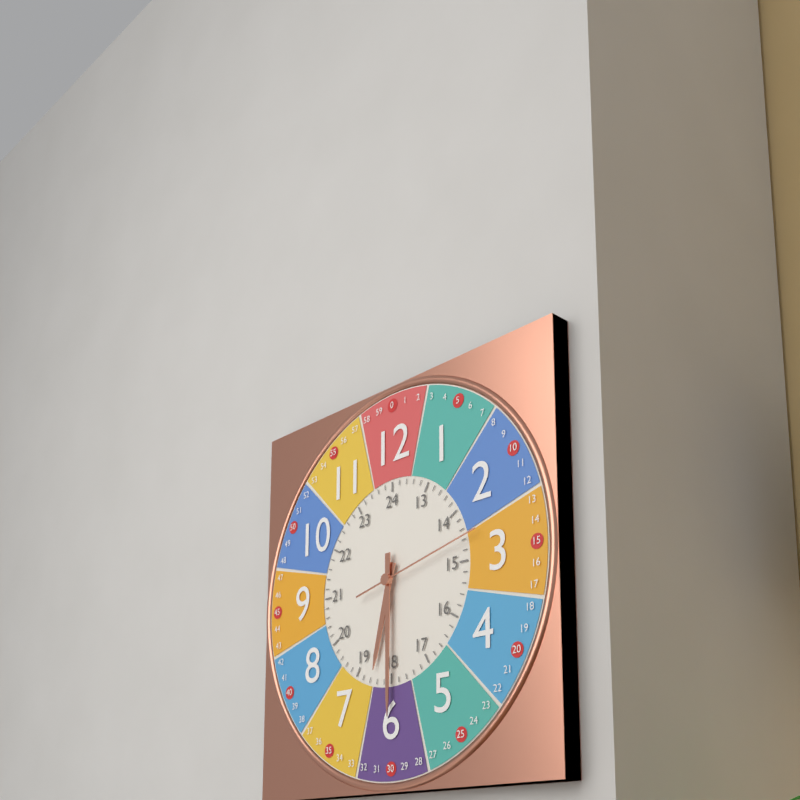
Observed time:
h=6 m=30 s=13
